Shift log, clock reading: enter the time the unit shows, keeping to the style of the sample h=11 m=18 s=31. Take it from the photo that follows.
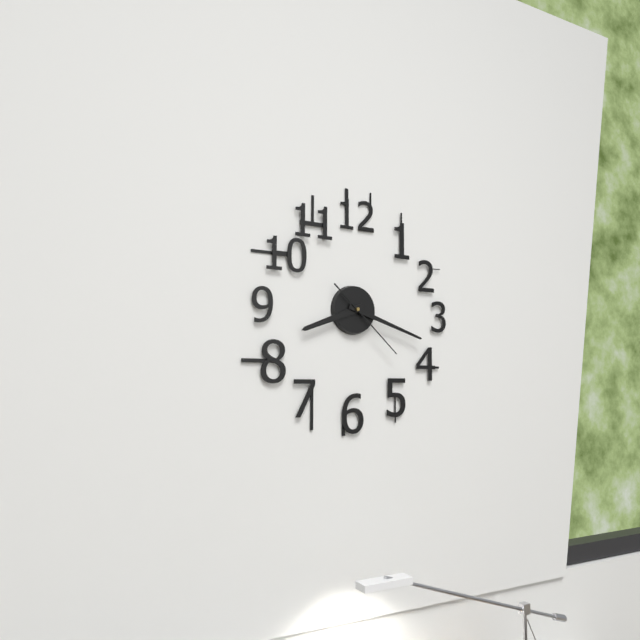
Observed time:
h=8 m=18 s=22
